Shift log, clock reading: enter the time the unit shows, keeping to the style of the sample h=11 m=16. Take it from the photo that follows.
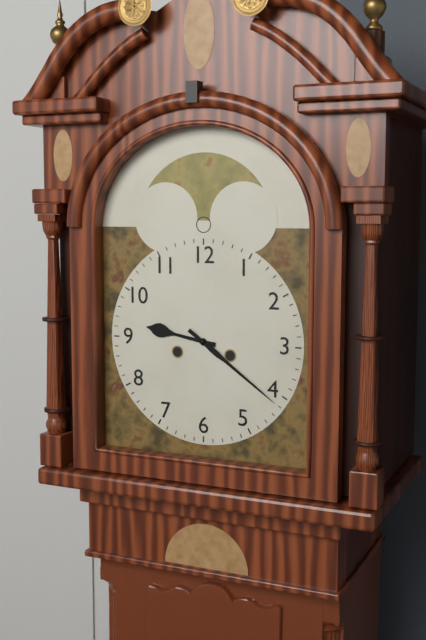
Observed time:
h=9 m=21
